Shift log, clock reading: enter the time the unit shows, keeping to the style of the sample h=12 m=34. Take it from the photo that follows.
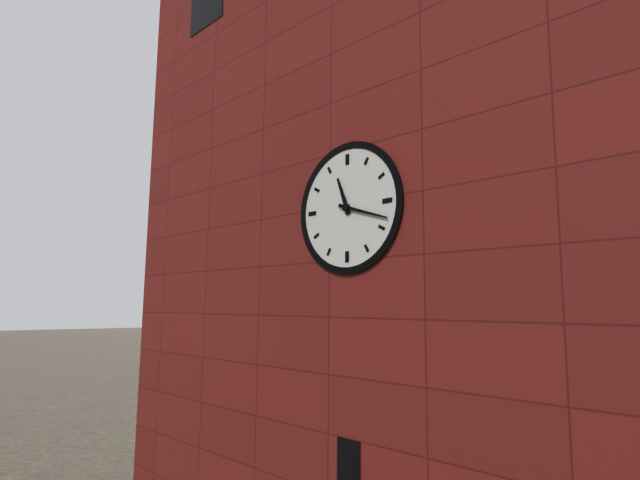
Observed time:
h=11 m=18
